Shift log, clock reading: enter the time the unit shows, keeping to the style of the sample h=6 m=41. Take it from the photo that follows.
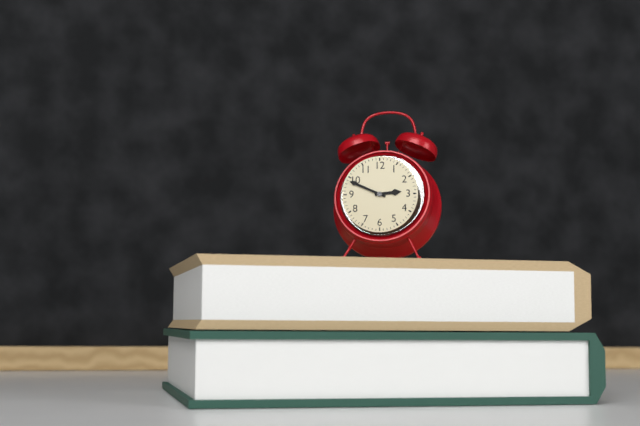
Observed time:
h=2 m=49
